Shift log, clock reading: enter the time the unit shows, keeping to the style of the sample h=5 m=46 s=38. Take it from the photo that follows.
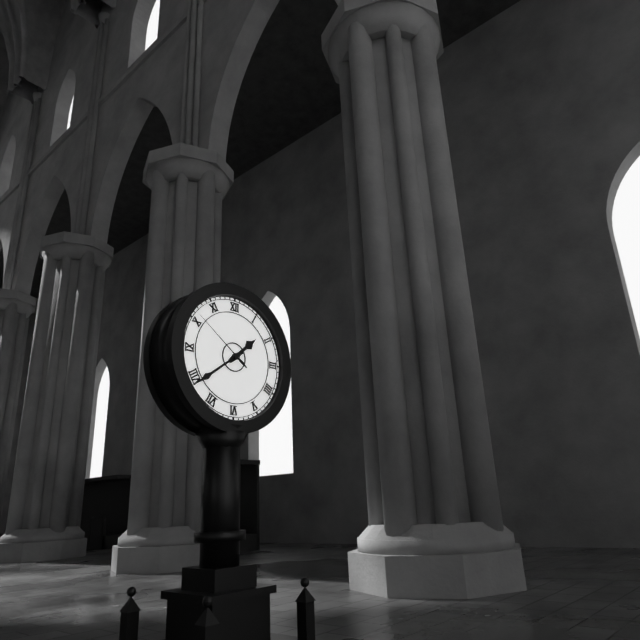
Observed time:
h=1 m=39 s=51
